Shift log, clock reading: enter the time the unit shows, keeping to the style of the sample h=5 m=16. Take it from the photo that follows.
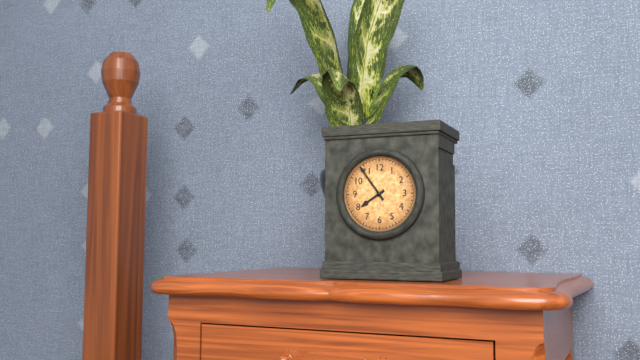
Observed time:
h=7 m=54
